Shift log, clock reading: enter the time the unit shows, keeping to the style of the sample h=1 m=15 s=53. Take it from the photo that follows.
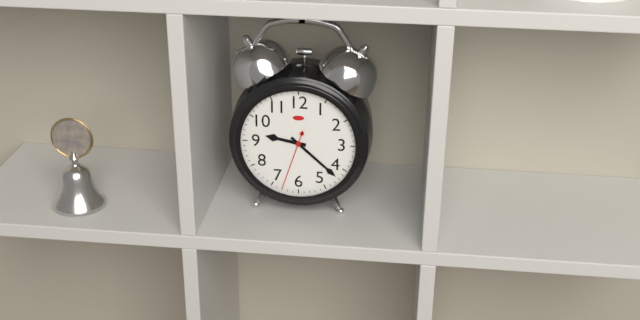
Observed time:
h=9 m=22 s=33
